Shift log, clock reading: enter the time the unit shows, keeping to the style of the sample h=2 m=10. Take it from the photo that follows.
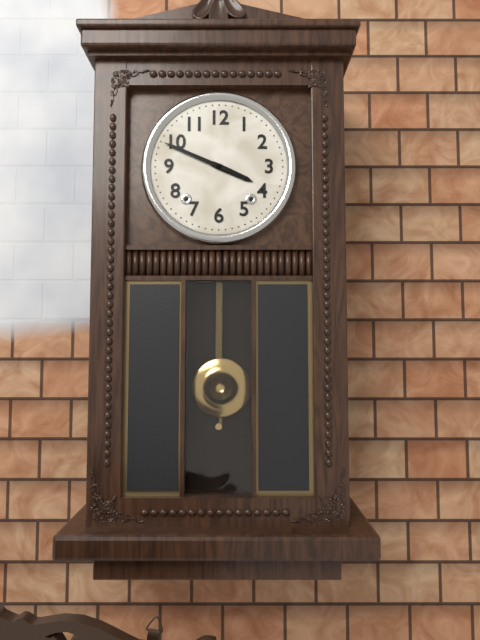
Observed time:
h=3 m=49
